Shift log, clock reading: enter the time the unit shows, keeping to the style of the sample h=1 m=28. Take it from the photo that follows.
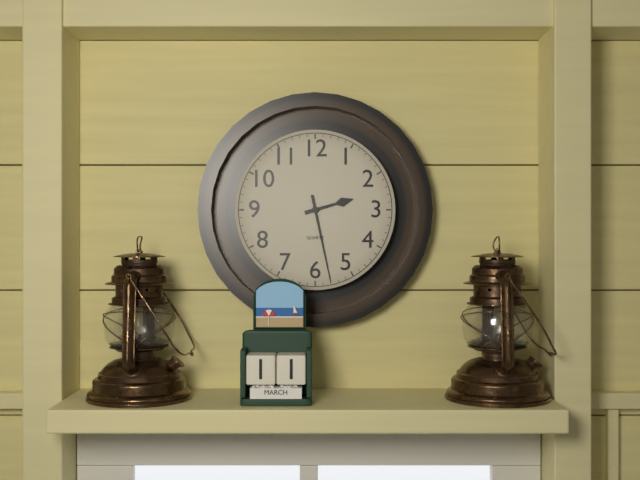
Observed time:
h=2 m=28
